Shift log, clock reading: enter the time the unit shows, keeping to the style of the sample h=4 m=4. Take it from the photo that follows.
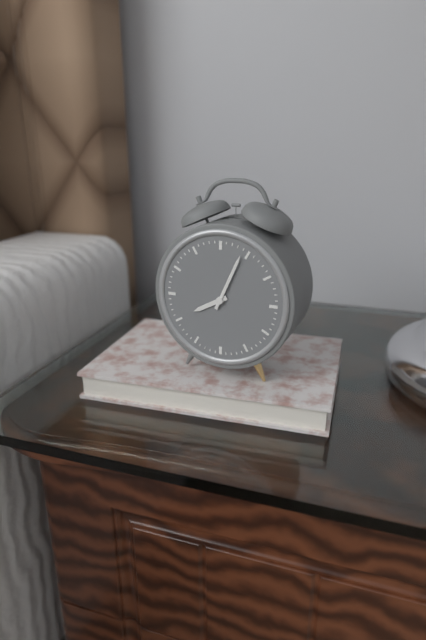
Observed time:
h=8 m=4
